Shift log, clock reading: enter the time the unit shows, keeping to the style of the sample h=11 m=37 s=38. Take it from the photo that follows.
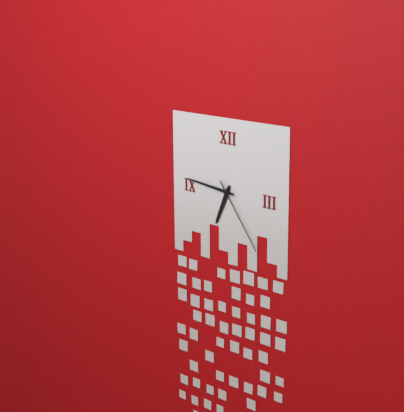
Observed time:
h=6 m=46 s=24
